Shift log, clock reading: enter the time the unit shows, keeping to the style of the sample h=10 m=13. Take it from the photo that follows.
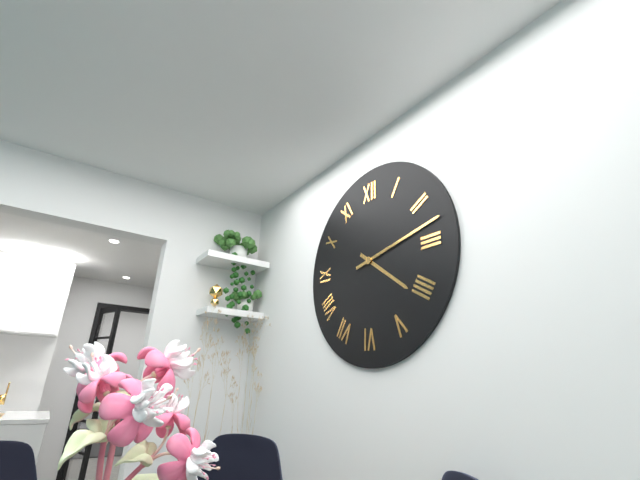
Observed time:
h=4 m=13
